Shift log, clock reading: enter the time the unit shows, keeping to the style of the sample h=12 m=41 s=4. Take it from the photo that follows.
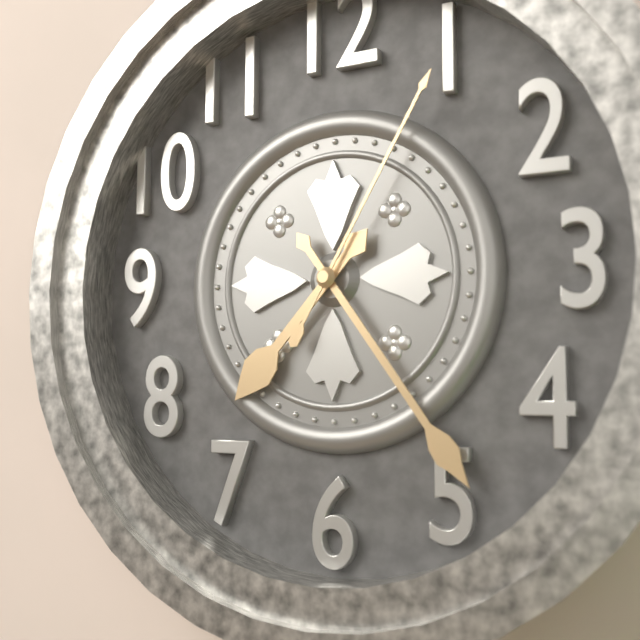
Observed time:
h=7 m=24 s=5
